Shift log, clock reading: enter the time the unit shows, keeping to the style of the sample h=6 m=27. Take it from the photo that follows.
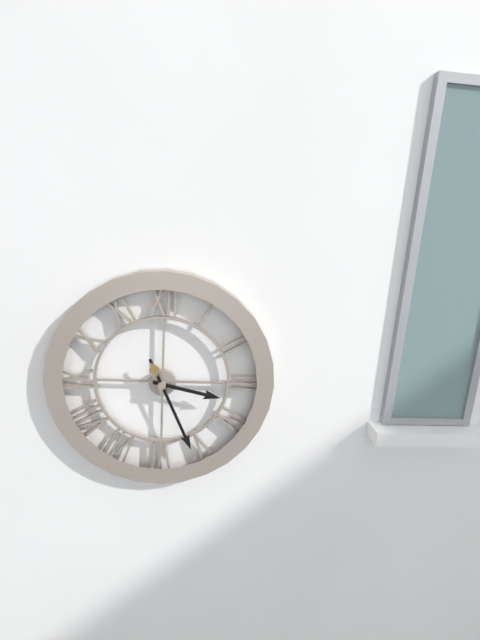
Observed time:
h=3 m=26
